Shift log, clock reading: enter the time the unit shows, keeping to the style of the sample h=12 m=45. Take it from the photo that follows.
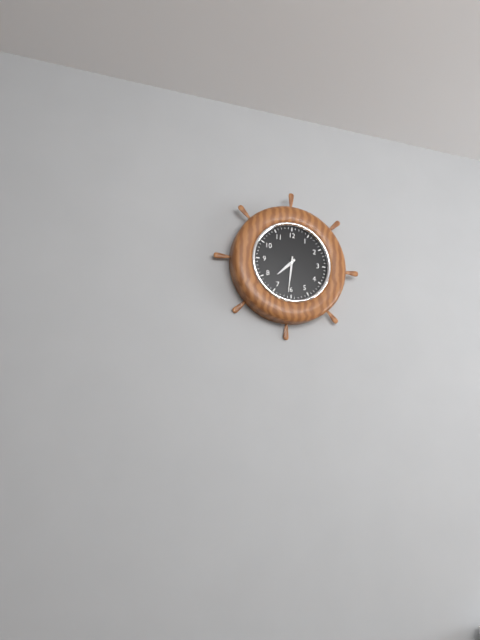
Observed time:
h=7 m=31
